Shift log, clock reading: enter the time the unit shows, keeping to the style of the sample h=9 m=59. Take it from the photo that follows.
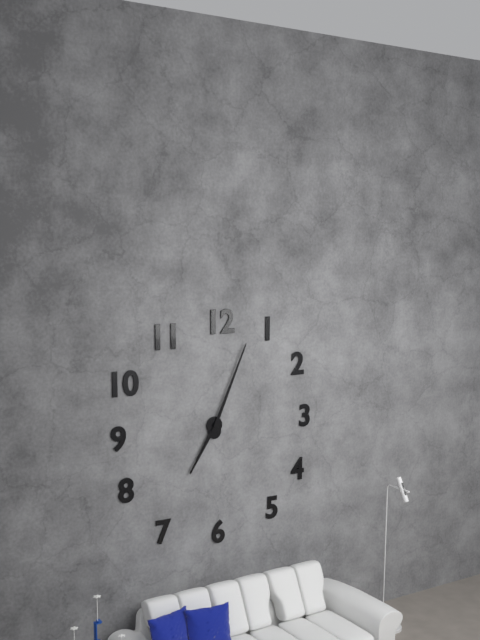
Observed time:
h=7 m=4
